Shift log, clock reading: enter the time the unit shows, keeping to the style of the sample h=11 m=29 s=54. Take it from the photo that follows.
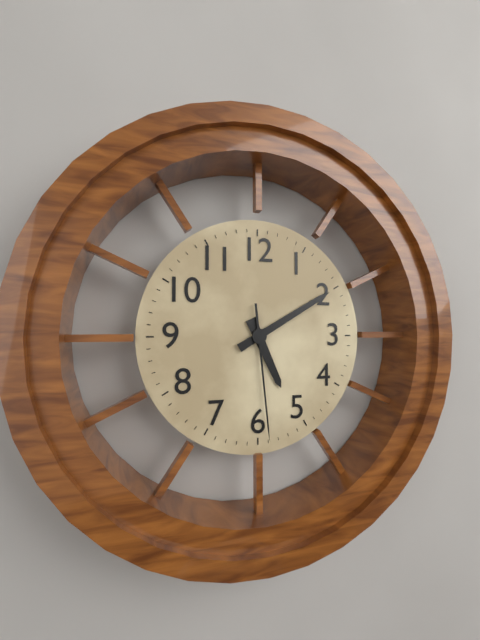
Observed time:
h=5 m=10 s=29
